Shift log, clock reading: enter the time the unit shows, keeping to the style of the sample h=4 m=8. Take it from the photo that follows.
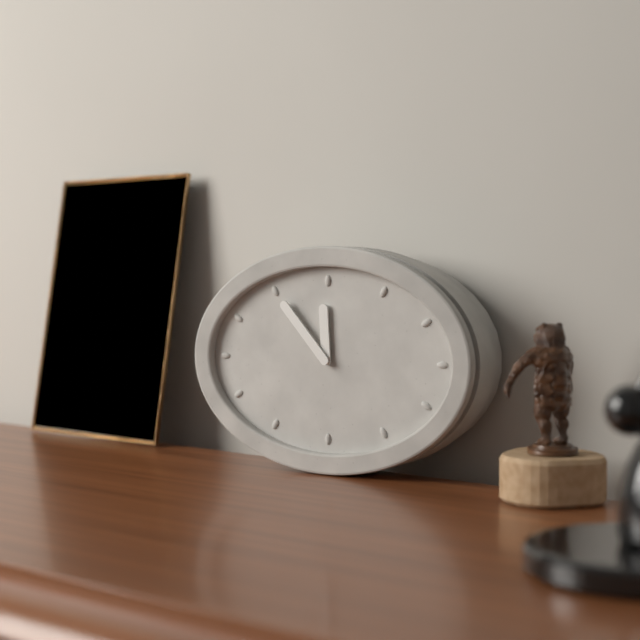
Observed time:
h=11 m=53
